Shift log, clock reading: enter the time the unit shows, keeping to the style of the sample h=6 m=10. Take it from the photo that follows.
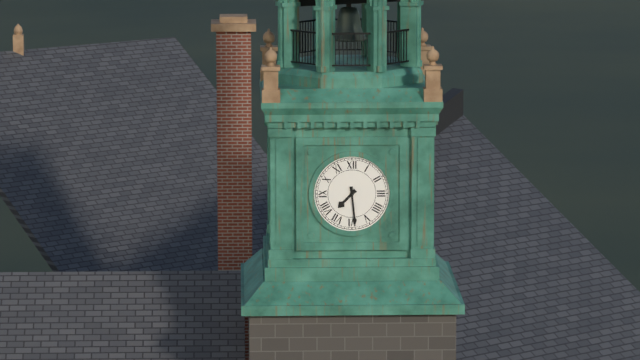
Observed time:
h=7 m=29
